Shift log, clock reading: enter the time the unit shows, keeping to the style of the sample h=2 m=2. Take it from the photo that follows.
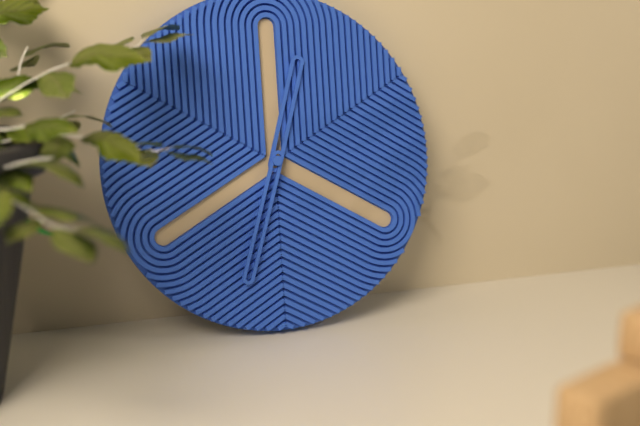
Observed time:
h=12 m=33
